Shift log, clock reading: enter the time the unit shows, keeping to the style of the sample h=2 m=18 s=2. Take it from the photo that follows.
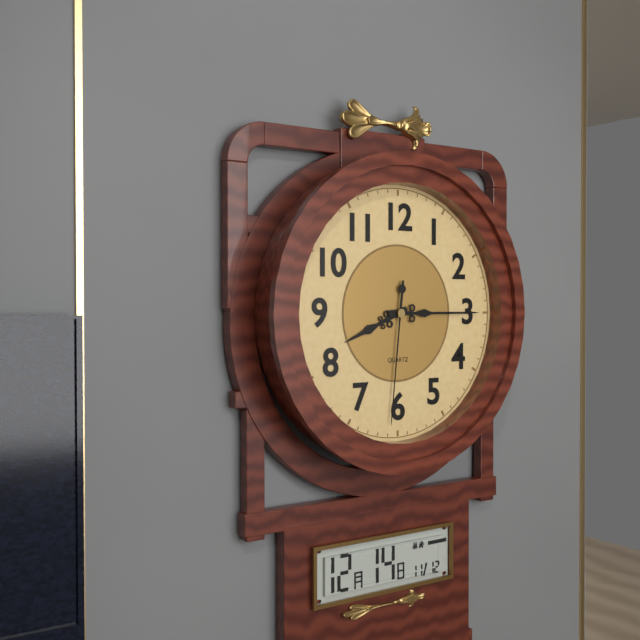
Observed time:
h=8 m=15 s=31
